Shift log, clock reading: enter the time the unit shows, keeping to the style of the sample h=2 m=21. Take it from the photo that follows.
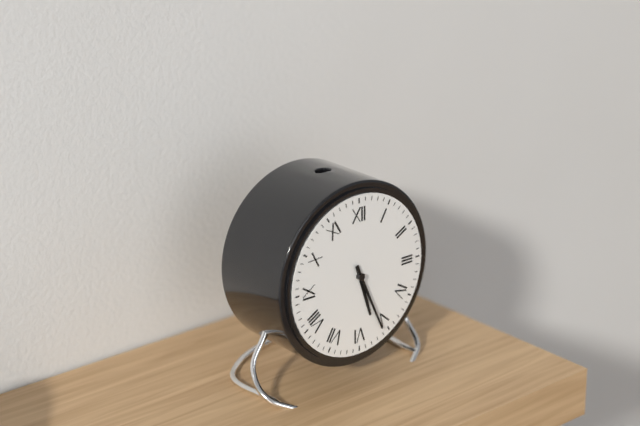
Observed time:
h=5 m=26
